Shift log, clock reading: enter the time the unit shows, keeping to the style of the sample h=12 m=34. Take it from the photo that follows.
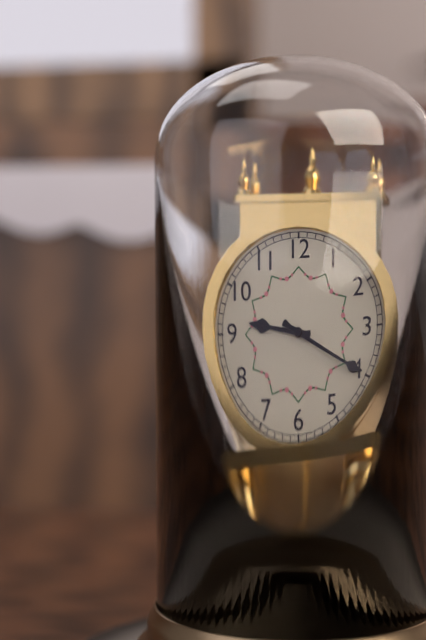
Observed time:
h=9 m=20
